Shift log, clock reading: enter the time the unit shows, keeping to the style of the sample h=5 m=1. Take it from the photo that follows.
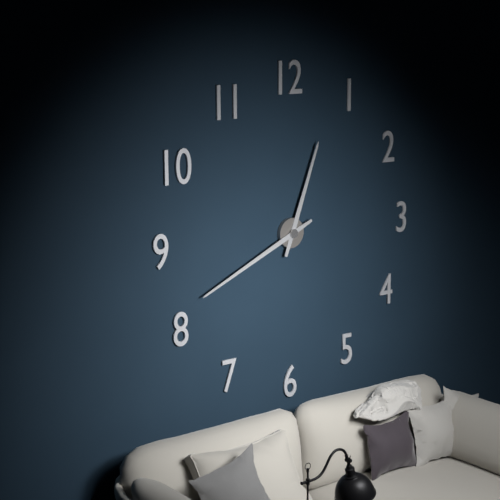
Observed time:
h=12 m=41
